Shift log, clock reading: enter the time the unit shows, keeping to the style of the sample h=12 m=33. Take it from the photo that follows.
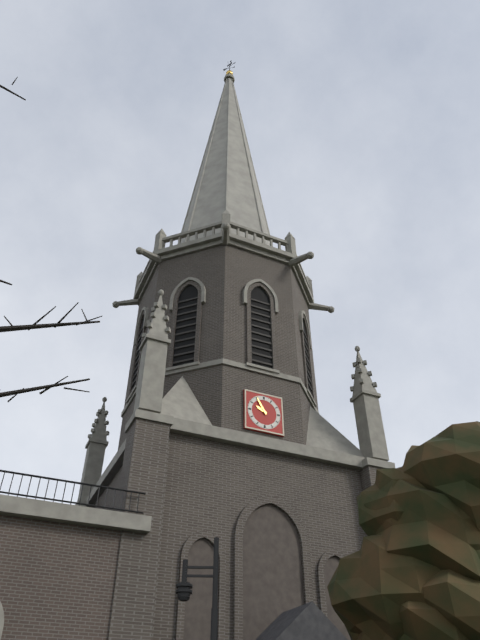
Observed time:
h=9 m=55
